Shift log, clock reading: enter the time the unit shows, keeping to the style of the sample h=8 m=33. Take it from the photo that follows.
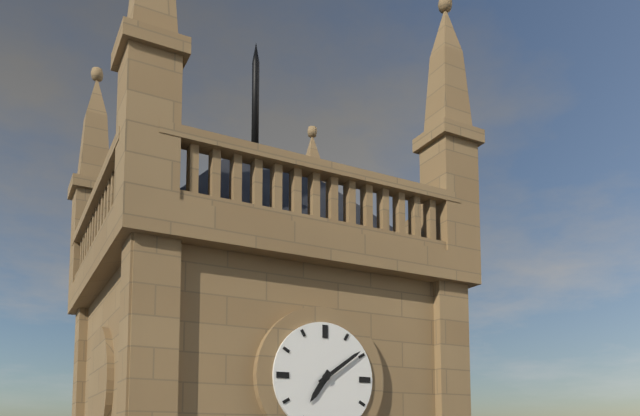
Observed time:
h=7 m=9
